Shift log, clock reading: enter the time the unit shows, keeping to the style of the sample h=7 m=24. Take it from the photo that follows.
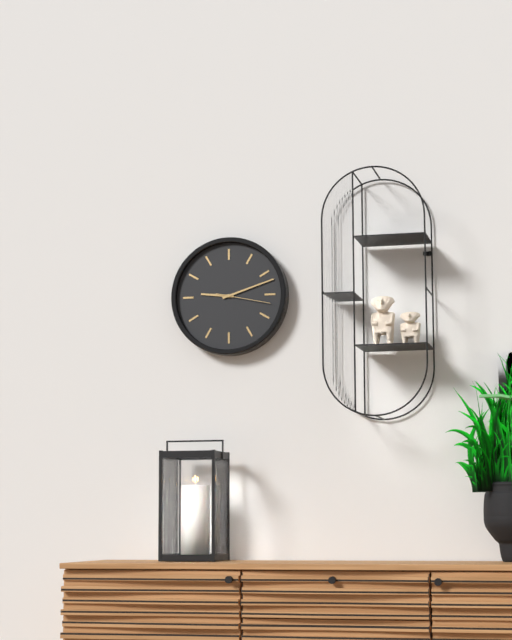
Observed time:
h=9 m=12
